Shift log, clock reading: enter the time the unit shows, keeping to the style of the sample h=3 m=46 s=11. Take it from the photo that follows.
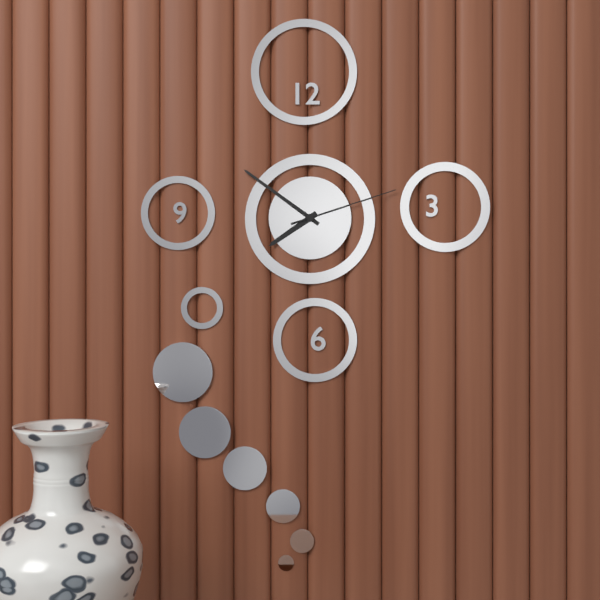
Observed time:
h=7 m=51 s=12
